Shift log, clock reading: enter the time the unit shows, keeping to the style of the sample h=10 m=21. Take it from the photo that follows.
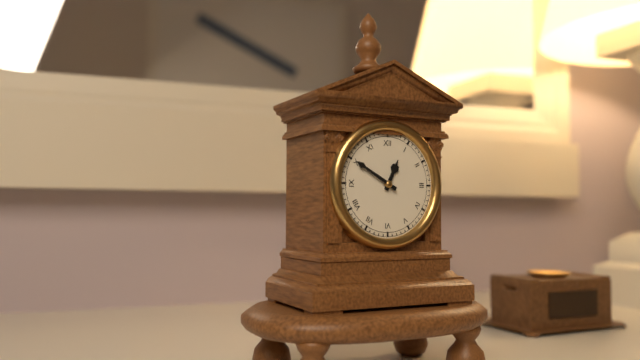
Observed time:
h=12 m=50
